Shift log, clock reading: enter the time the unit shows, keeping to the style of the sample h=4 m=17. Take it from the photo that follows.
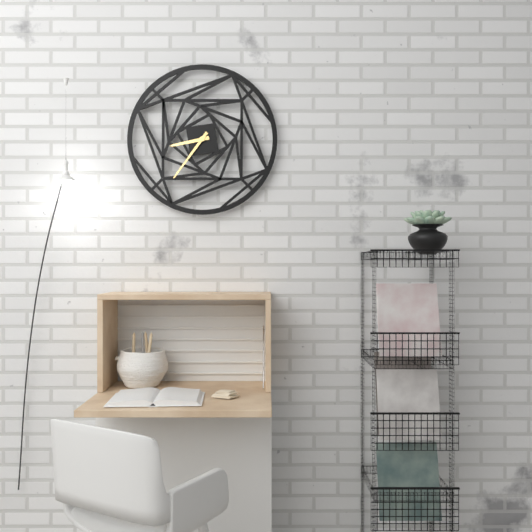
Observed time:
h=8 m=36
